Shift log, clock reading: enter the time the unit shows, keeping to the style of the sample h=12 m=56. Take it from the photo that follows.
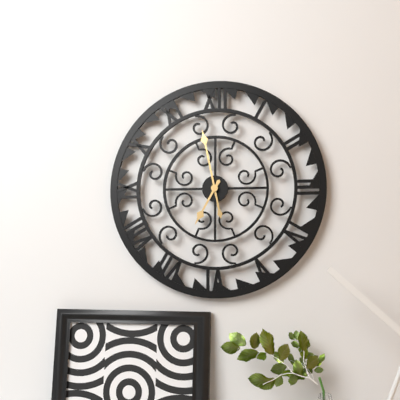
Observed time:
h=6 m=58
